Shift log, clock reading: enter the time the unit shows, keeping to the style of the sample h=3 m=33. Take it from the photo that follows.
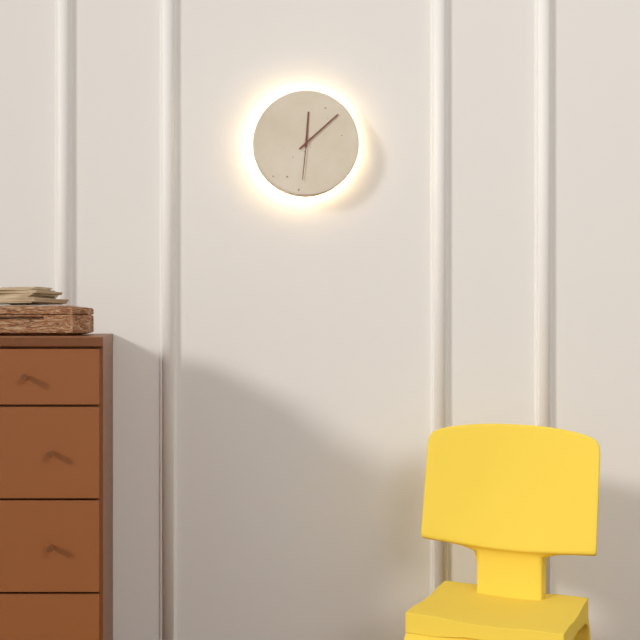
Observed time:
h=12 m=8
